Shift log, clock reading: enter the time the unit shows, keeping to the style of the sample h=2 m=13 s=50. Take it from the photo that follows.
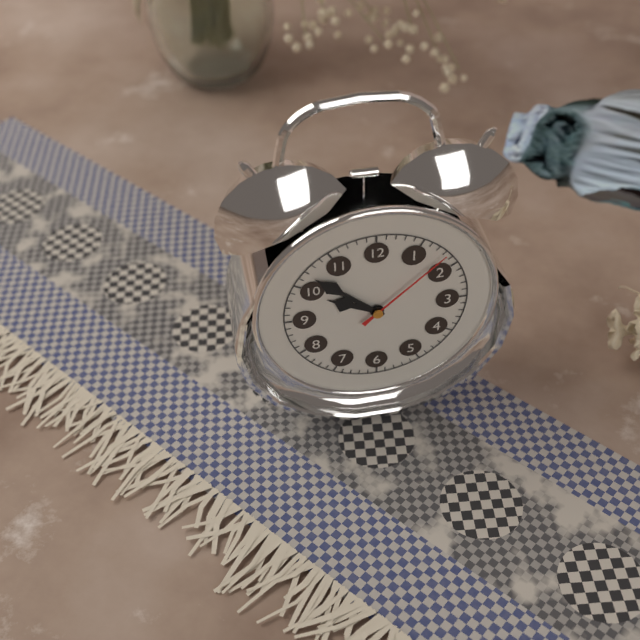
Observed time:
h=9 m=52 s=8
